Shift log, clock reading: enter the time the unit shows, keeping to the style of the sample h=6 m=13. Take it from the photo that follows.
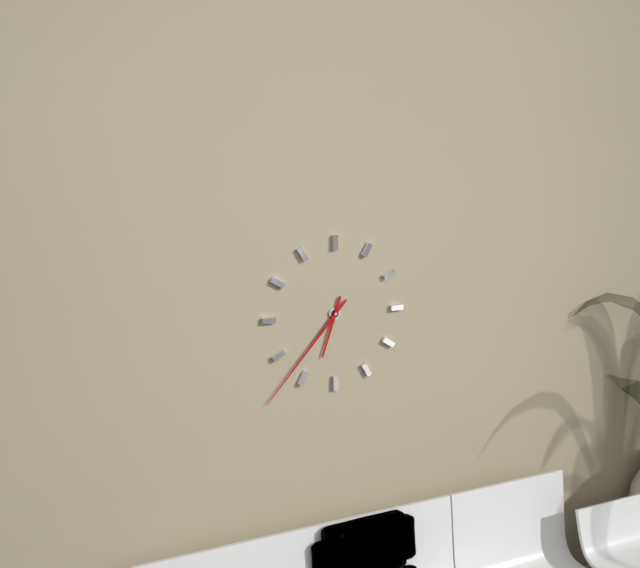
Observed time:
h=6 m=37
